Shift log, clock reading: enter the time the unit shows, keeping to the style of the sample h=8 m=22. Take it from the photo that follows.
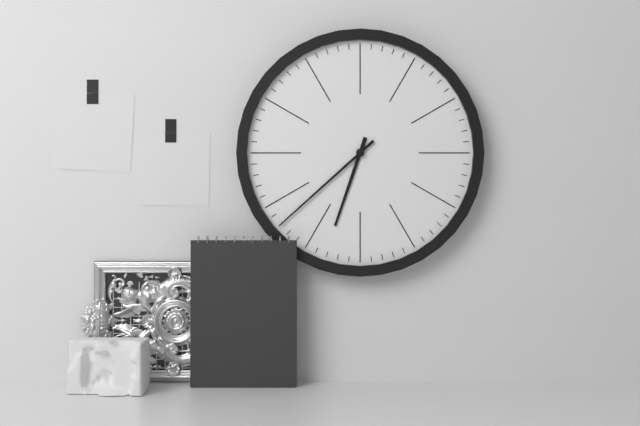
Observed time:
h=6 m=38
